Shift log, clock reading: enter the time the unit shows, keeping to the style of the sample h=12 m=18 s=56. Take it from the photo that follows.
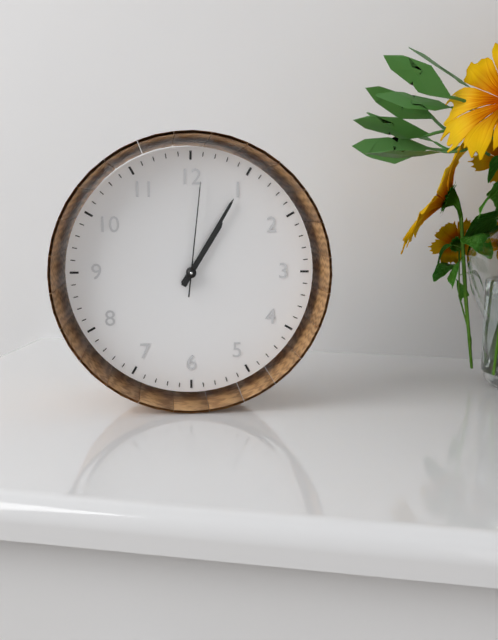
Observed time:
h=1 m=5 s=1
